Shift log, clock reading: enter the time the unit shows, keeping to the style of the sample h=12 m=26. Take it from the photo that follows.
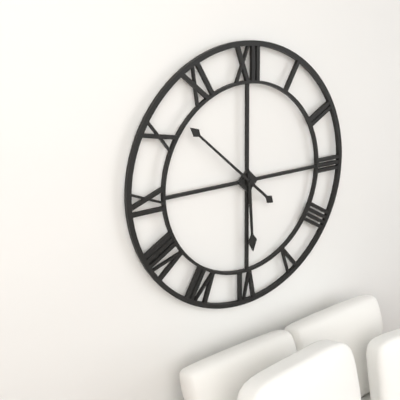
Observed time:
h=5 m=52
